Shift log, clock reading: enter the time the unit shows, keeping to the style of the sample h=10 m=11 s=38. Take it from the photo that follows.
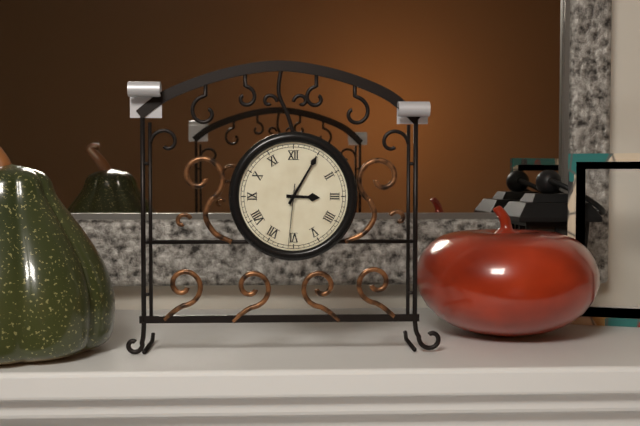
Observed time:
h=3 m=5 s=31
